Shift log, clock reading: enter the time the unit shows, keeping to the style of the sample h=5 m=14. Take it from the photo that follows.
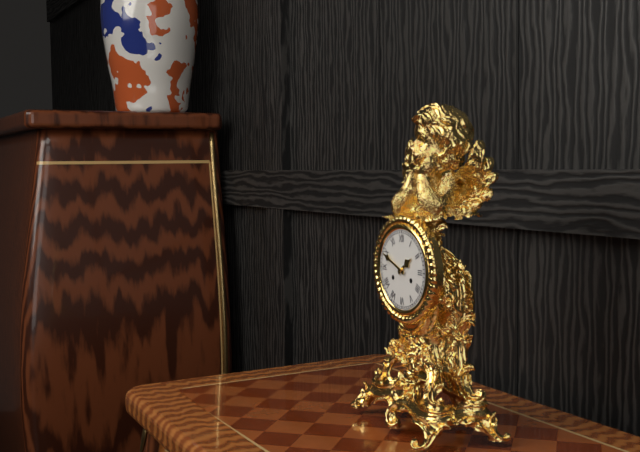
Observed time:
h=1 m=49
